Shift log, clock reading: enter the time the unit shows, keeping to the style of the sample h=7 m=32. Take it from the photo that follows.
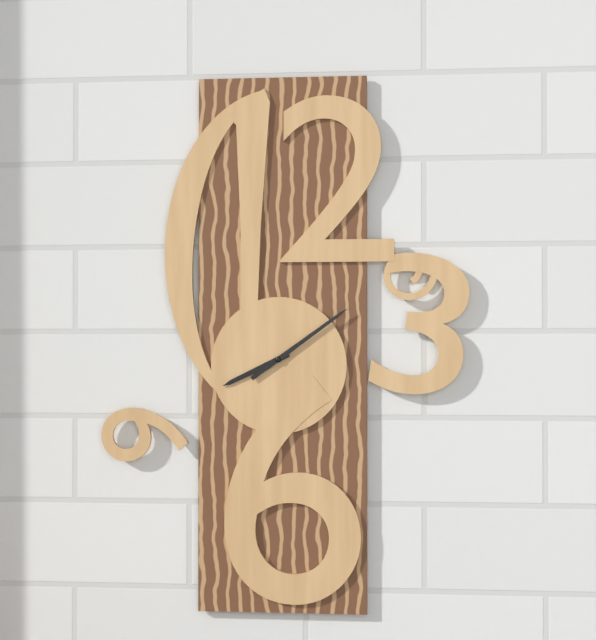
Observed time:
h=8 m=9
